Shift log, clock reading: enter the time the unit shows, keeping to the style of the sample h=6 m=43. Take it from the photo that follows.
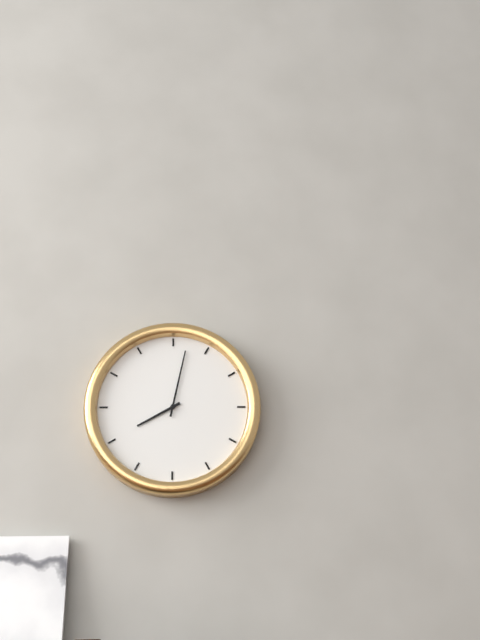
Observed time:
h=8 m=2
